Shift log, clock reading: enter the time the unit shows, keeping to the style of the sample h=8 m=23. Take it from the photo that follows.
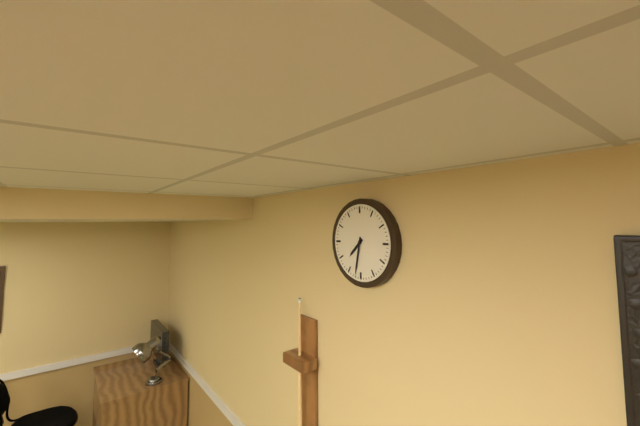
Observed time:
h=7 m=32
